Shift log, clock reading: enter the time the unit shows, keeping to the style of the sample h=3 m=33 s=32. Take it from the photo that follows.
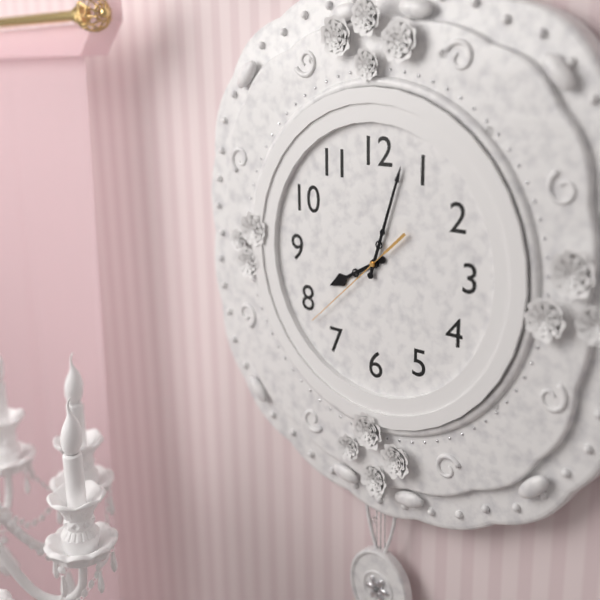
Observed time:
h=8 m=3 s=38
